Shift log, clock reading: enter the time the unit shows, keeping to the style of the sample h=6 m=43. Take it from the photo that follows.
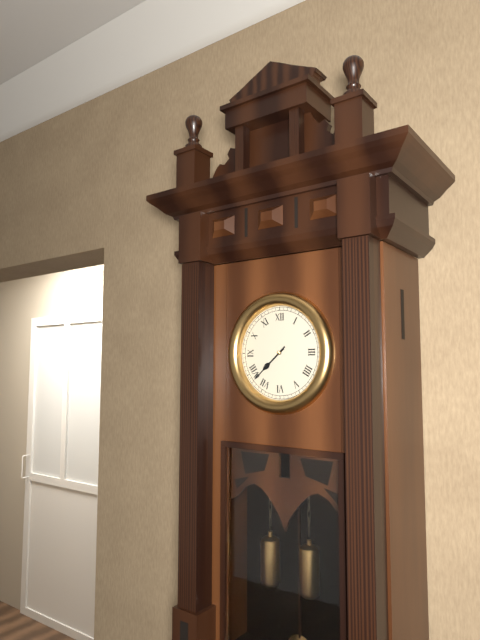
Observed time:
h=7 m=38
